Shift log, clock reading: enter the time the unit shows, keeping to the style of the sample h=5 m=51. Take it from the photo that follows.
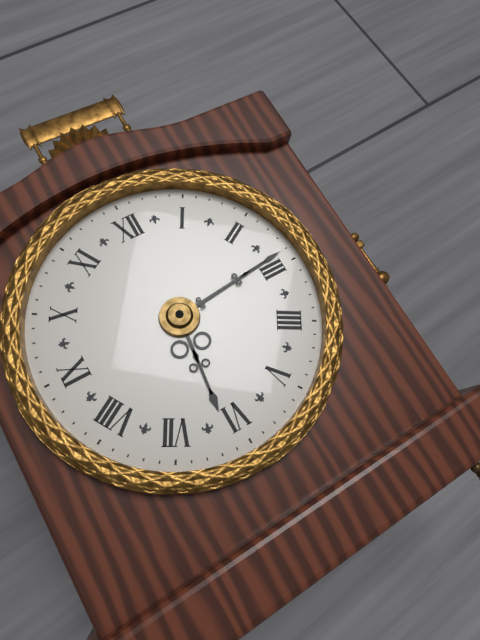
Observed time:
h=6 m=14
